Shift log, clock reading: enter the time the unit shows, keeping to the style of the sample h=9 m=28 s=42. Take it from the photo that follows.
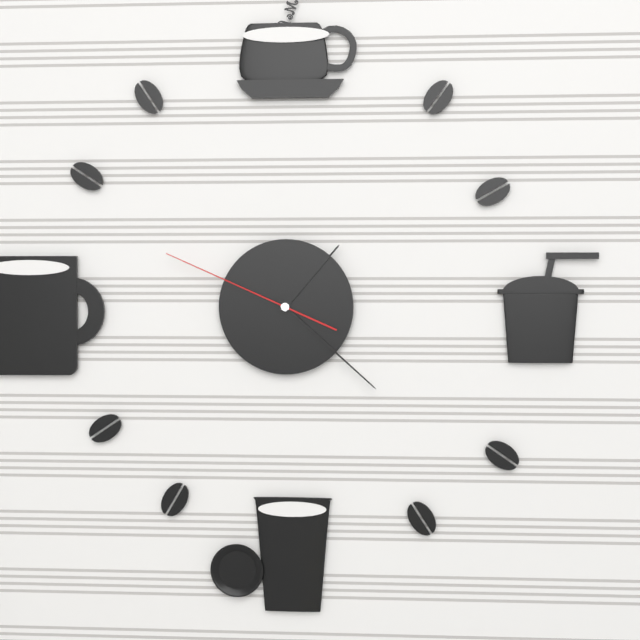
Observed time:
h=1 m=22 s=49
